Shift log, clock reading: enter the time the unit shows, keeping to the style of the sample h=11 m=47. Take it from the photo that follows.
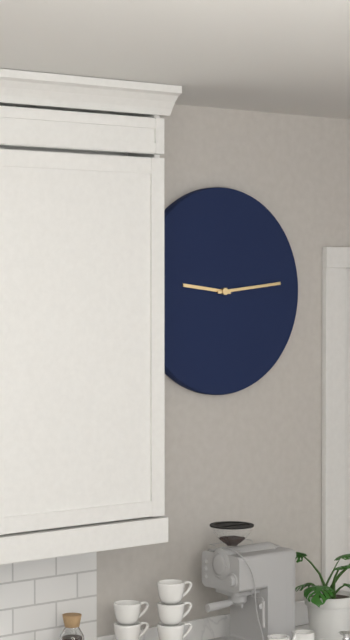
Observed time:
h=9 m=14
